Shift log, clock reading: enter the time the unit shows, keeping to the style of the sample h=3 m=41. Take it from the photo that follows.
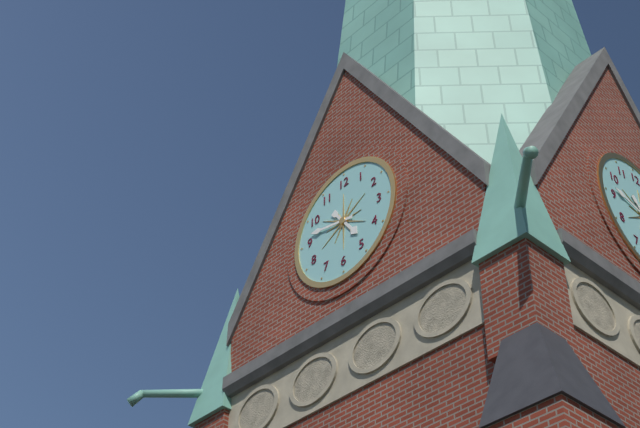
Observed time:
h=4 m=47
